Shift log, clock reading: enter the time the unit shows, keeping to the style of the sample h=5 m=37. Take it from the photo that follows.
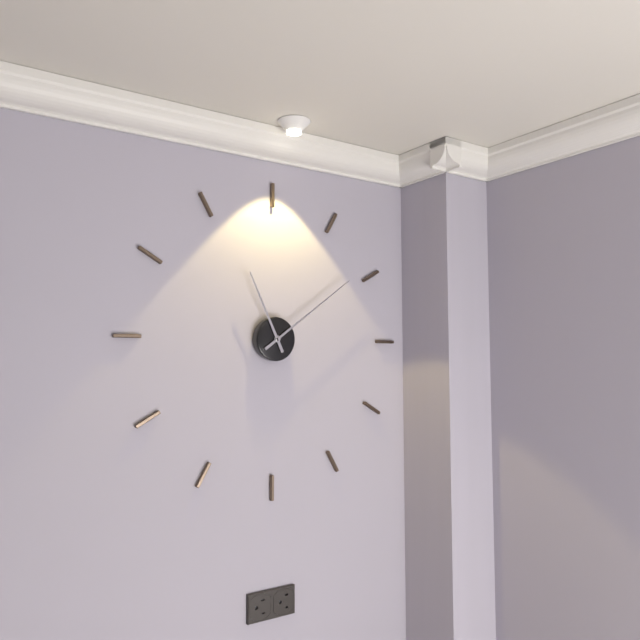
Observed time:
h=11 m=9
